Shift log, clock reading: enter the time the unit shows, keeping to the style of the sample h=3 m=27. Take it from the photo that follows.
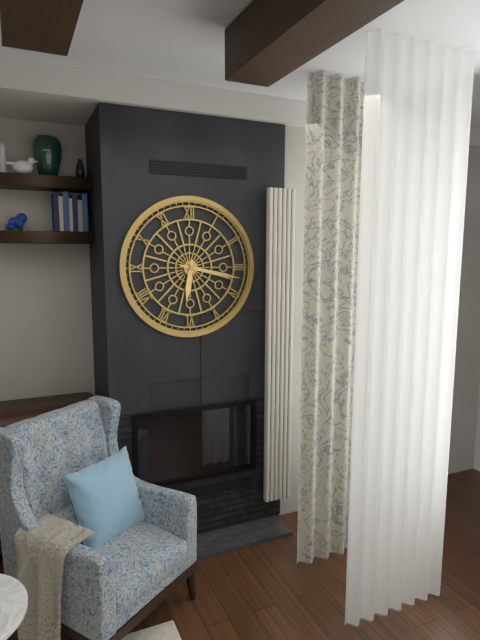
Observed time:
h=6 m=17
